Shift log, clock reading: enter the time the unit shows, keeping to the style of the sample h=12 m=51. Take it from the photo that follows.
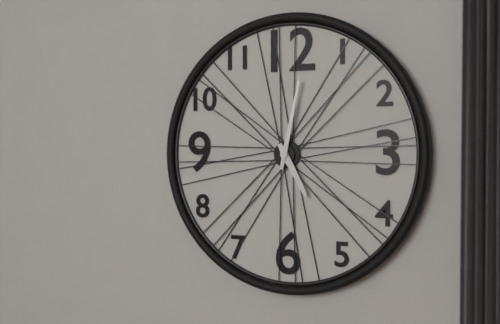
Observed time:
h=5 m=2
